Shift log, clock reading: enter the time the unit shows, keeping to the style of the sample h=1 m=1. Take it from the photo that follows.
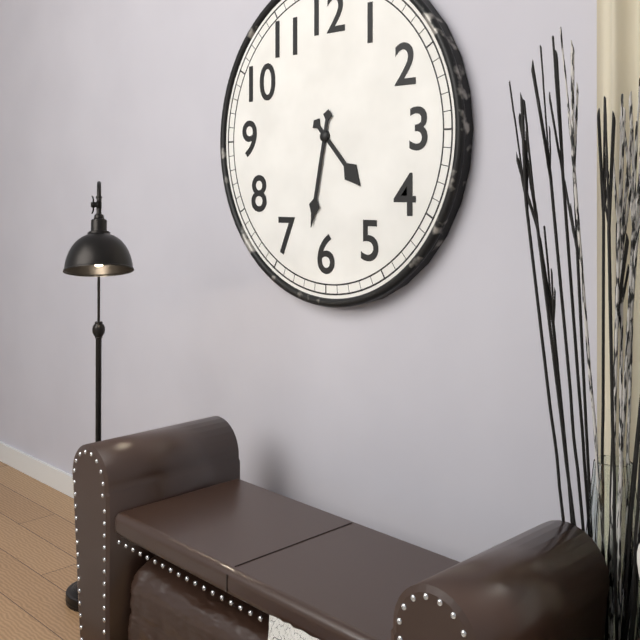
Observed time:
h=4 m=32
